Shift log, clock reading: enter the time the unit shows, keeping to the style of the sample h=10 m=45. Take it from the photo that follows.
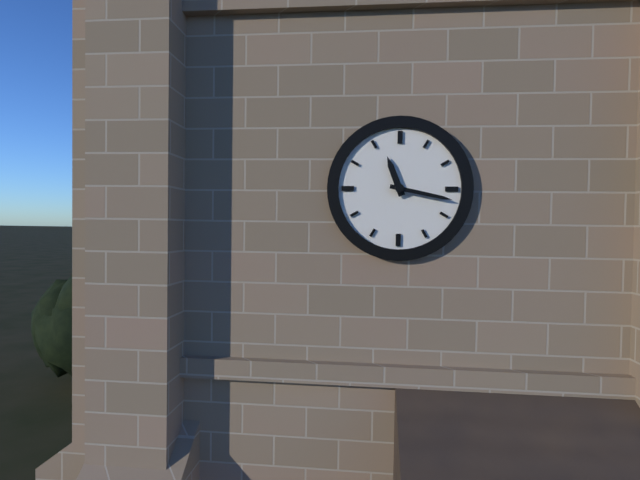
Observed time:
h=11 m=17
